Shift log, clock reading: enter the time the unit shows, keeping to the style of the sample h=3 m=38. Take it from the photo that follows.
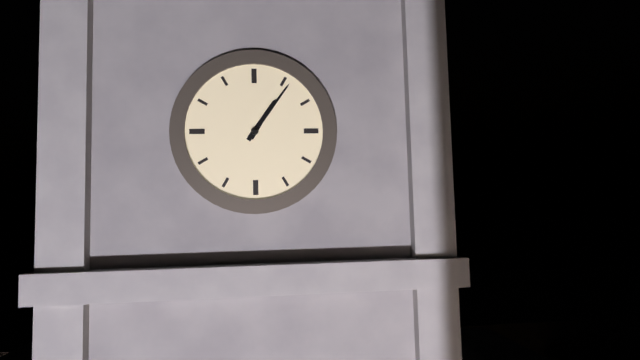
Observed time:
h=1 m=6
